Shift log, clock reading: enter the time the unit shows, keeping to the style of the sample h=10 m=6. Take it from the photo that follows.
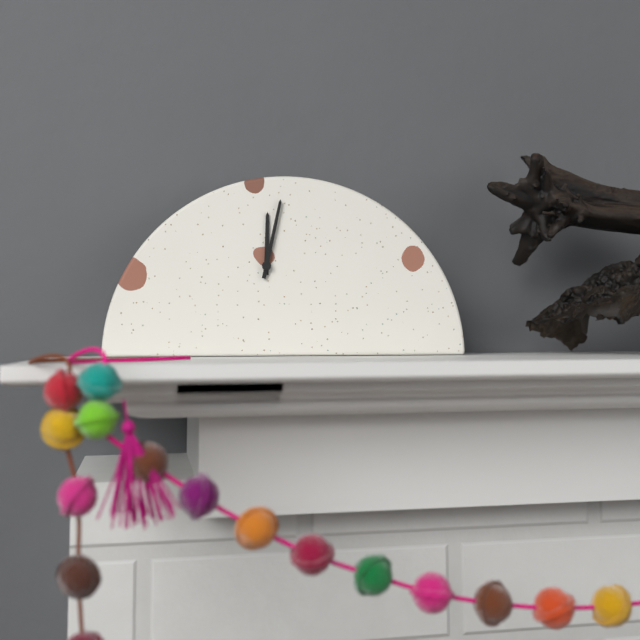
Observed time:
h=12 m=2
